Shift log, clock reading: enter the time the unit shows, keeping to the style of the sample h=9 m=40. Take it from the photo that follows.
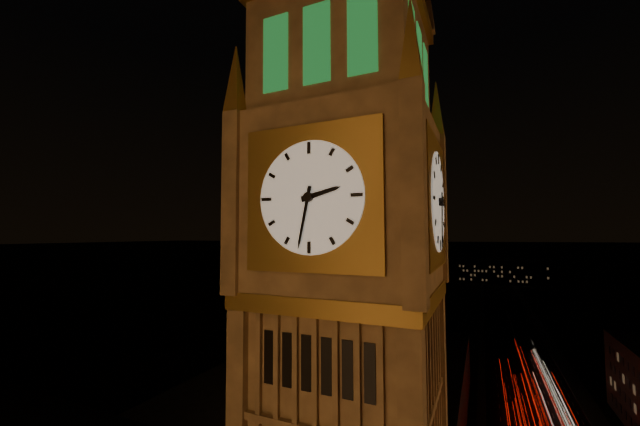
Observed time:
h=2 m=32
